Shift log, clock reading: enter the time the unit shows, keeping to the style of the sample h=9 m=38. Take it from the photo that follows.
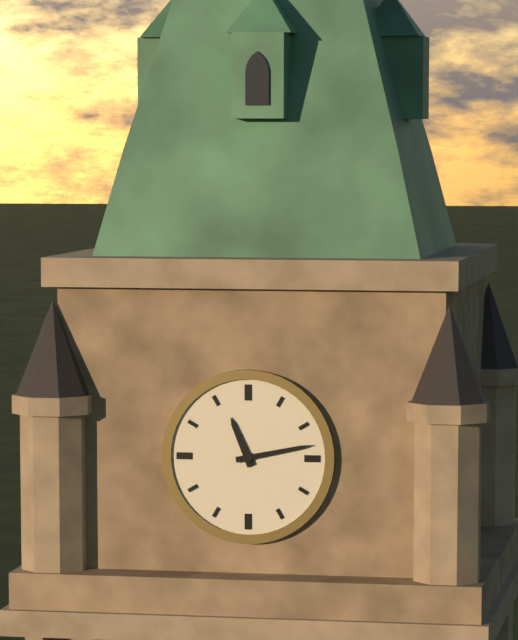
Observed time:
h=11 m=13
